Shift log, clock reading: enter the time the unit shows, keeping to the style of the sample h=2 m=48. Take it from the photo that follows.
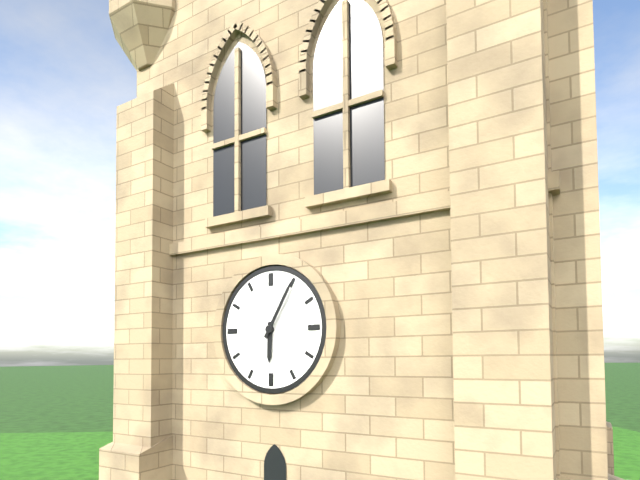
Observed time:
h=6 m=5
